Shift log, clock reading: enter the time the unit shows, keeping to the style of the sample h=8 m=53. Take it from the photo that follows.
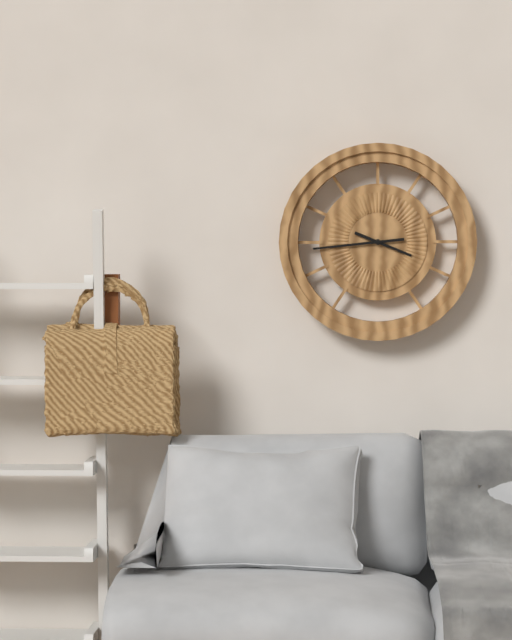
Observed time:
h=3 m=44
